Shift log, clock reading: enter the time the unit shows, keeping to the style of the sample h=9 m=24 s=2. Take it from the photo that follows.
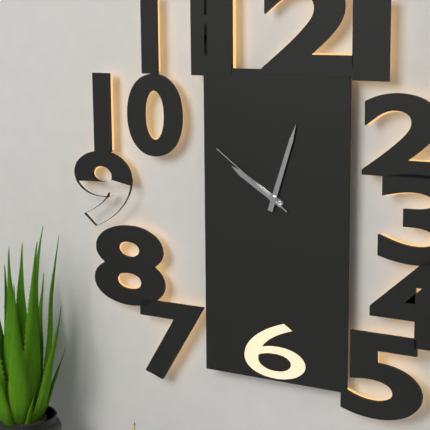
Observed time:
h=10 m=3 s=51
